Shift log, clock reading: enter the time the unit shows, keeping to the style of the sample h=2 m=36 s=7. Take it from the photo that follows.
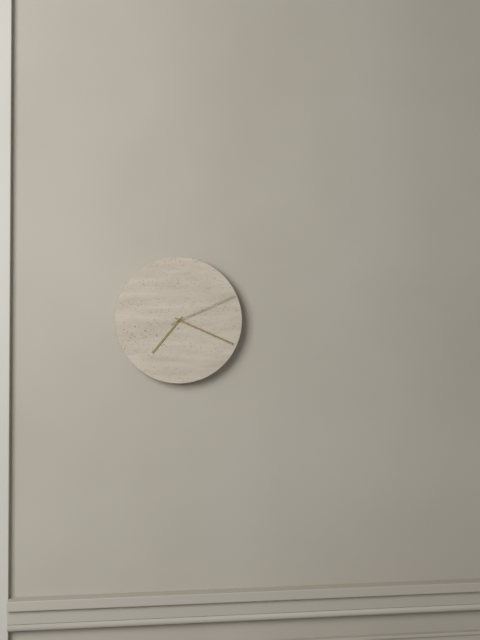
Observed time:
h=7 m=19 s=11
